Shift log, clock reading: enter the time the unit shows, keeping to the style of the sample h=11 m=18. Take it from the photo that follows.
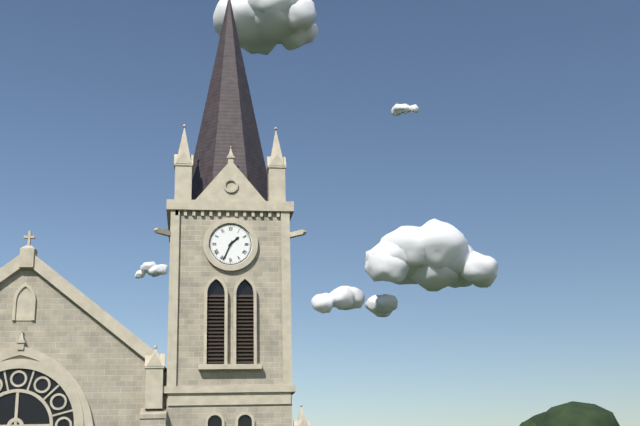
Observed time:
h=1 m=34
